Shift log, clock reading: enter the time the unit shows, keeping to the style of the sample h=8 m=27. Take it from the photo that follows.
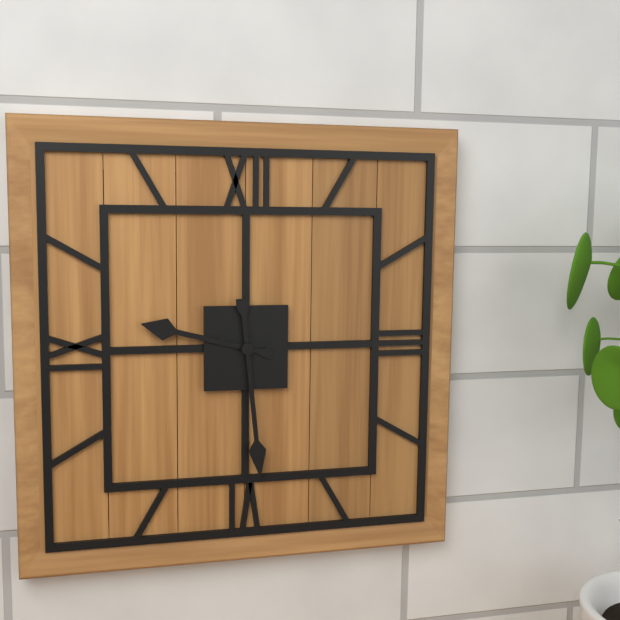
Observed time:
h=9 m=29
